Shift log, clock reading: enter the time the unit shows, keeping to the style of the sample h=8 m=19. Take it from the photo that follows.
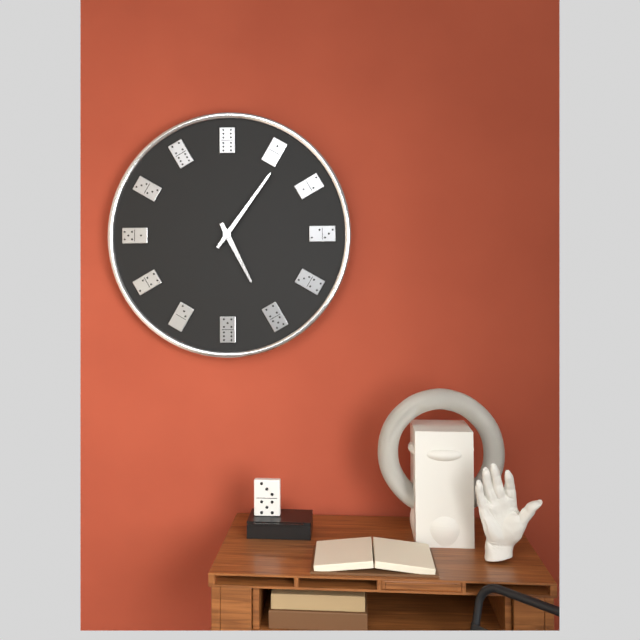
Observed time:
h=5 m=6
